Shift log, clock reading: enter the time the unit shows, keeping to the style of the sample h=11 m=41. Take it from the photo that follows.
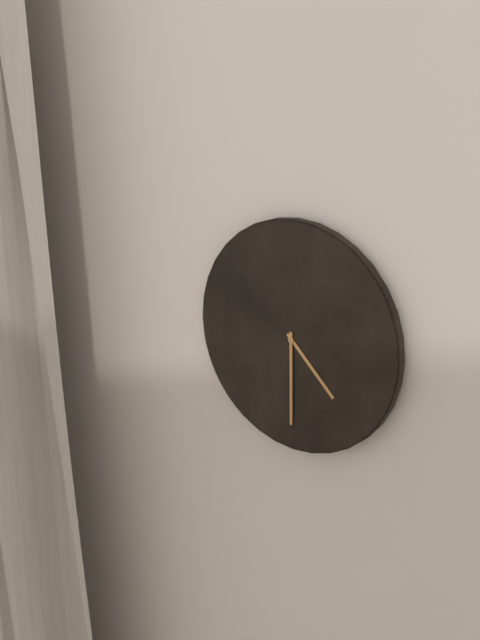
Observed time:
h=4 m=30
